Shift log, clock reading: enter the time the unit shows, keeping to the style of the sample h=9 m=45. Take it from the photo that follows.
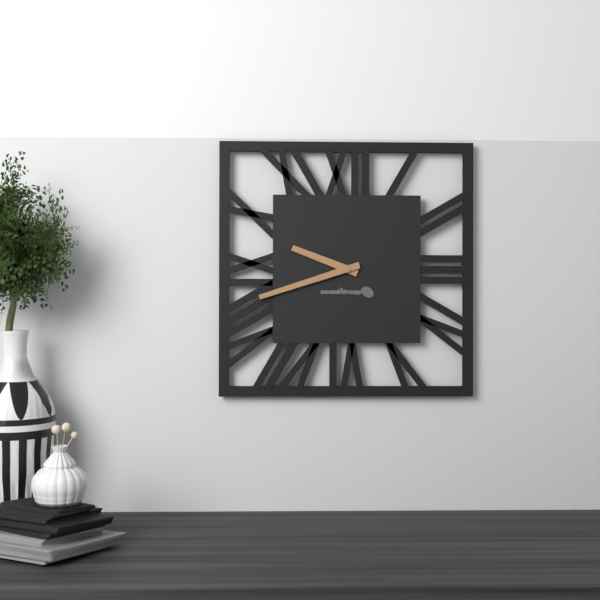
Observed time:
h=9 m=42
